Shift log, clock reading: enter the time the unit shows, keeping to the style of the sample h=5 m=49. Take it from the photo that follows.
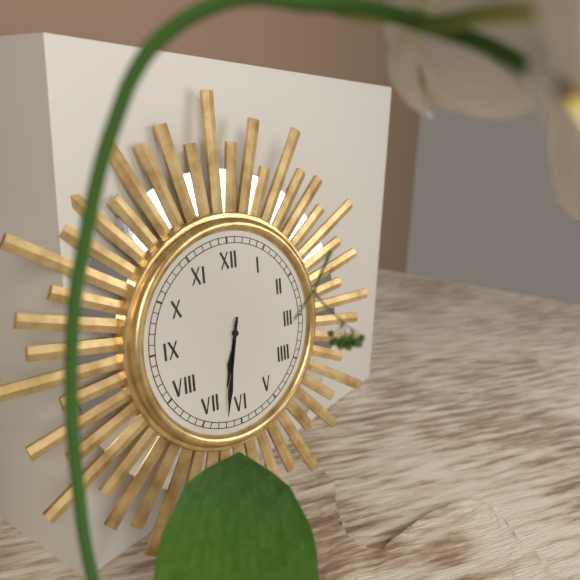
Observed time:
h=6 m=32
